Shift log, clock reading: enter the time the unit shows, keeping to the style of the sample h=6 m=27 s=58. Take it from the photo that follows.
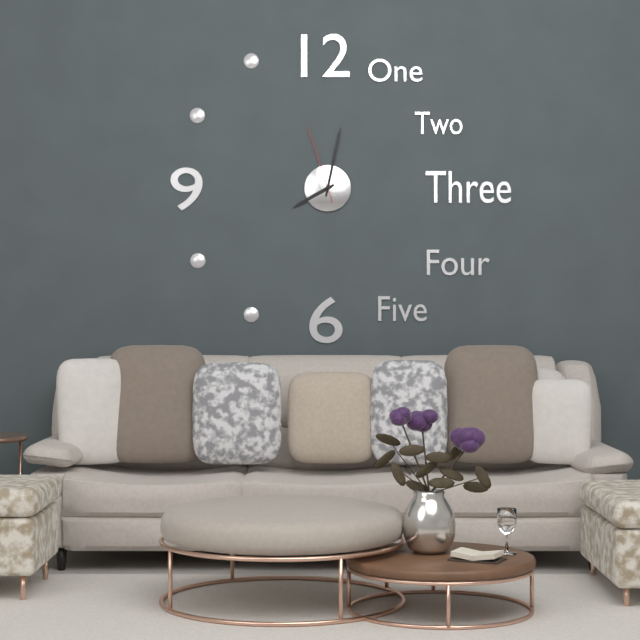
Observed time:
h=8 m=2 s=57
